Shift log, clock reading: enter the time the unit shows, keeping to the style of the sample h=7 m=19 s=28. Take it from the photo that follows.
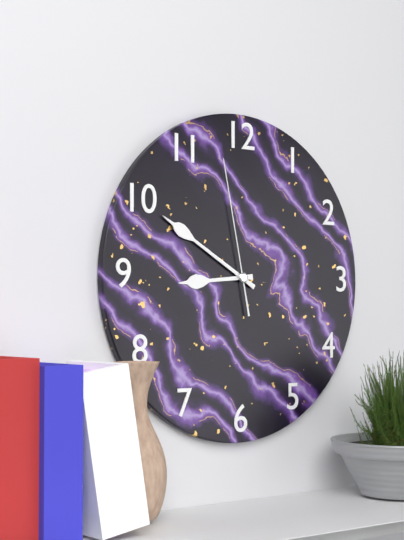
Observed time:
h=8 m=50 s=58
